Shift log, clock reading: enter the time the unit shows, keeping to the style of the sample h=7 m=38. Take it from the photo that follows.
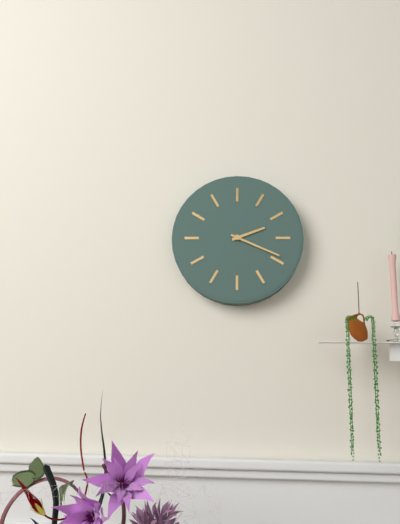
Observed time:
h=2 m=19
